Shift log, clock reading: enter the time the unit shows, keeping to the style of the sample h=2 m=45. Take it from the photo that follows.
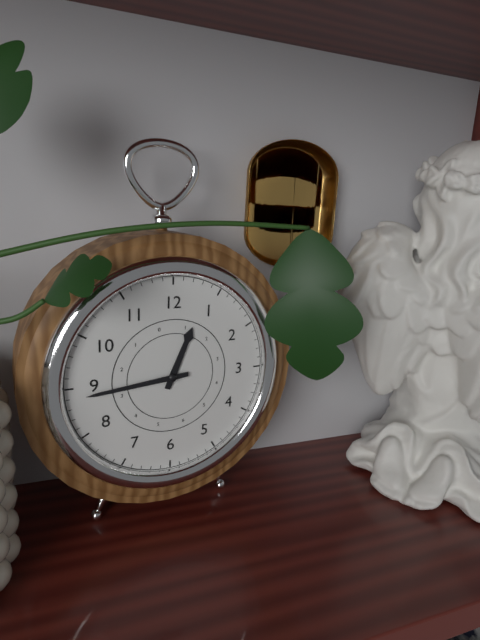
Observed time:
h=12 m=44
